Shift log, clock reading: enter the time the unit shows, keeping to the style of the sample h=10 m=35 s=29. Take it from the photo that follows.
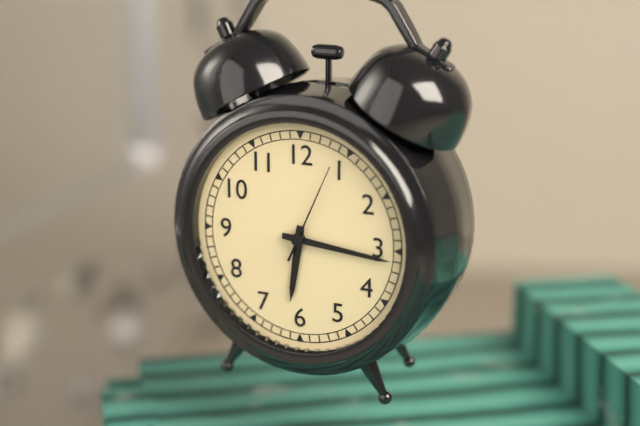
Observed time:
h=6 m=16 s=4
